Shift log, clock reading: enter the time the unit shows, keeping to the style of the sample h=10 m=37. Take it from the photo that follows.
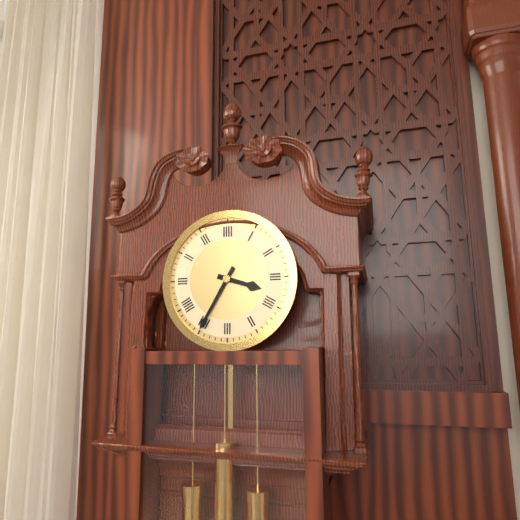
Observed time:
h=3 m=35
